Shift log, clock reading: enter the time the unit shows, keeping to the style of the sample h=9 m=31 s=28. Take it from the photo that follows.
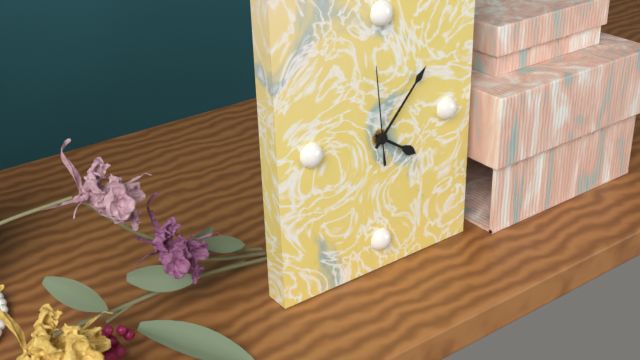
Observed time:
h=4 m=7 s=59
